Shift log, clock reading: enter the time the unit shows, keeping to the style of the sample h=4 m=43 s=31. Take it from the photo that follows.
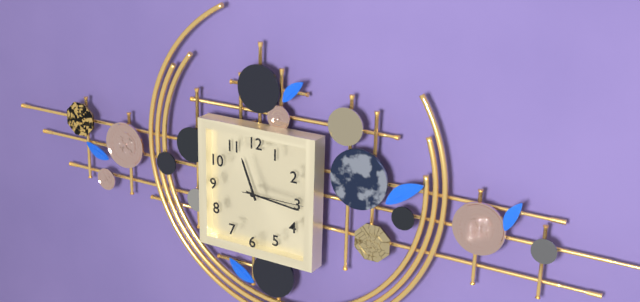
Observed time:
h=11 m=16 s=15
